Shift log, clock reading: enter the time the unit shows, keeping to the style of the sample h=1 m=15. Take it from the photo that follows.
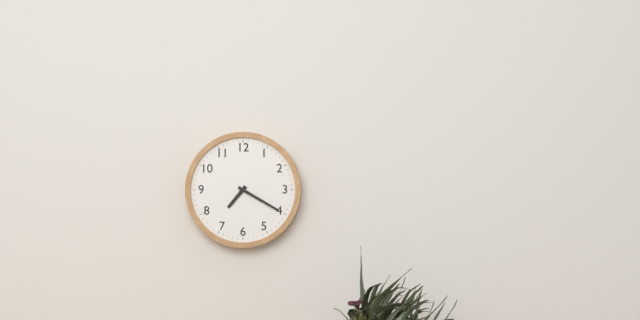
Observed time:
h=7 m=20
